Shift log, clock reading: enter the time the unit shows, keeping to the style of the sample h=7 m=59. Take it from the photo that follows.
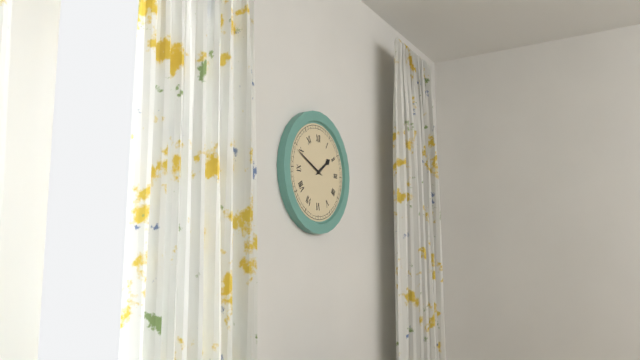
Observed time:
h=1 m=49
